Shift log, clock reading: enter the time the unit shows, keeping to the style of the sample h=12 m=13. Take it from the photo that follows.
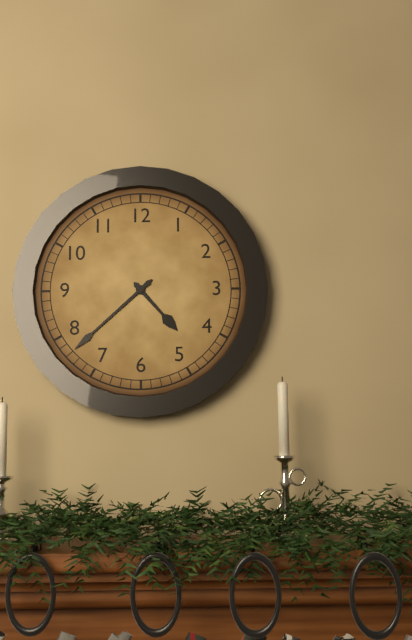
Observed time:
h=4 m=38
